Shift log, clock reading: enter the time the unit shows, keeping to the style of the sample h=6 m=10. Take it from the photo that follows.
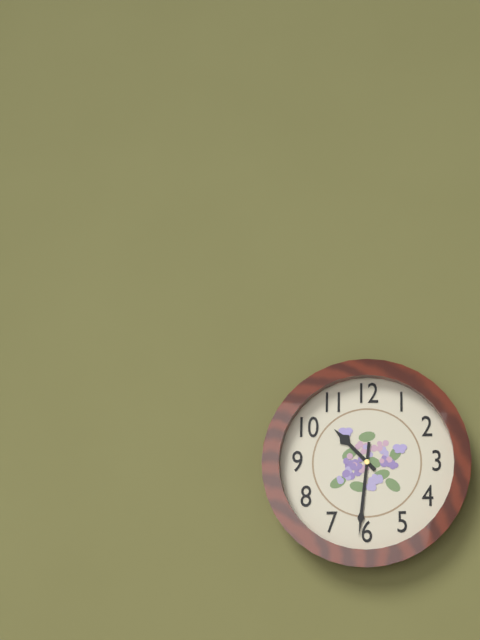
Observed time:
h=10 m=31
